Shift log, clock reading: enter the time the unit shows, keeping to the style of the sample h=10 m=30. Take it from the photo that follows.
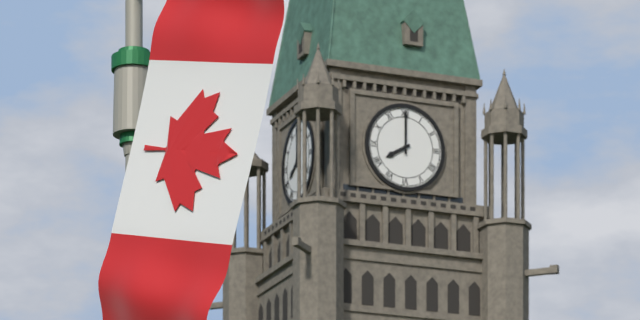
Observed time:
h=8 m=0
